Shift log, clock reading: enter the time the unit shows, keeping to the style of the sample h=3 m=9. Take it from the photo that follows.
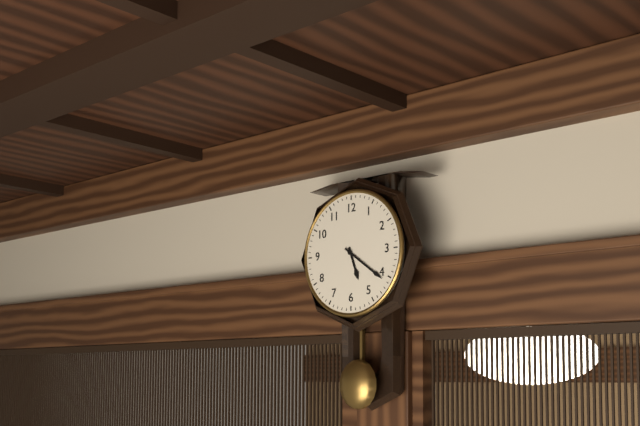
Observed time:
h=5 m=21
